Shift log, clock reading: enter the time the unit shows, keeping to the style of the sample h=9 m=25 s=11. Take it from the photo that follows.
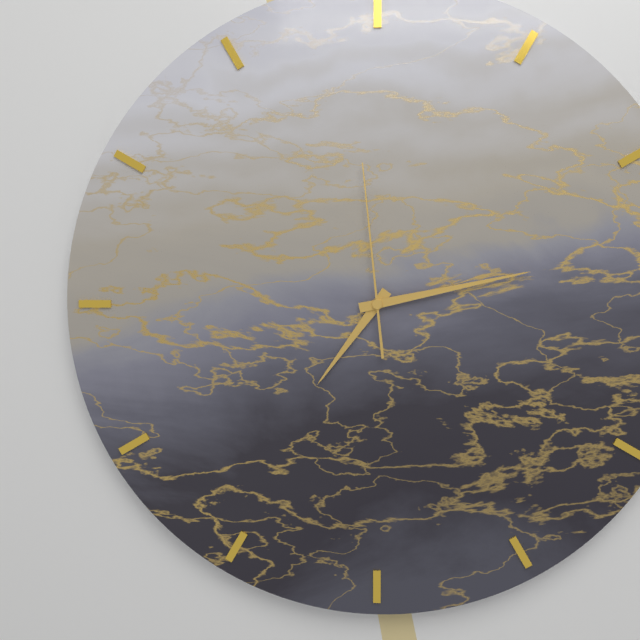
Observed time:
h=7 m=13 s=59
